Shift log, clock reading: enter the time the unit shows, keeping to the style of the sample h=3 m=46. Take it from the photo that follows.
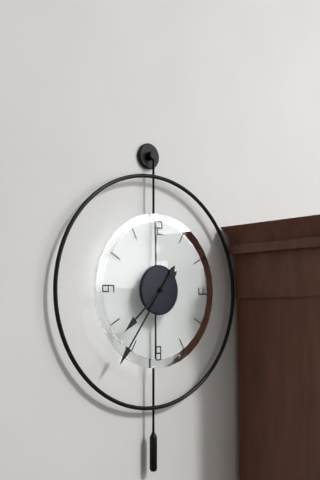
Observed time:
h=7 m=36
